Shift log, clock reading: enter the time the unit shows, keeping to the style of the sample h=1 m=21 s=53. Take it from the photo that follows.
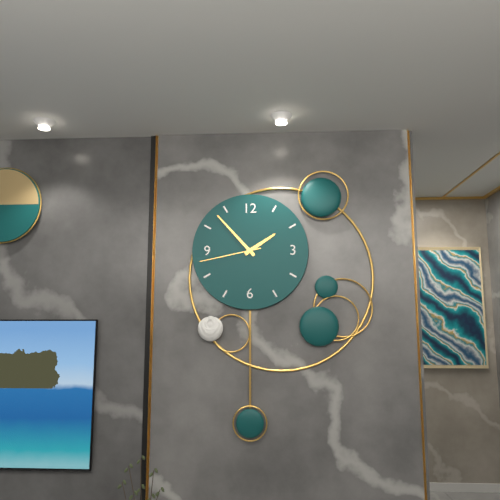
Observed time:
h=1 m=53 s=43
